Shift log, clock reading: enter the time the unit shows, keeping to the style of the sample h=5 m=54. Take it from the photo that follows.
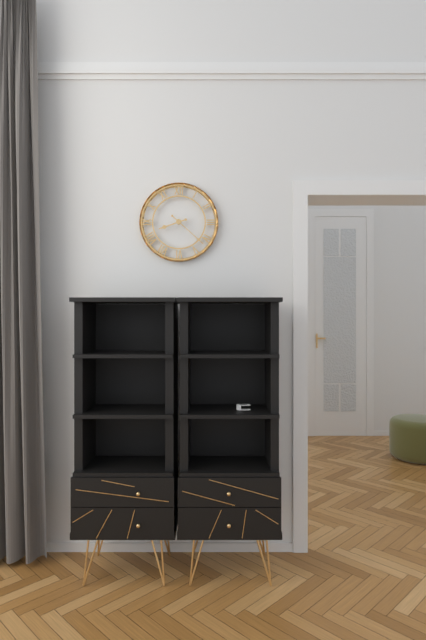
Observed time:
h=8 m=22
